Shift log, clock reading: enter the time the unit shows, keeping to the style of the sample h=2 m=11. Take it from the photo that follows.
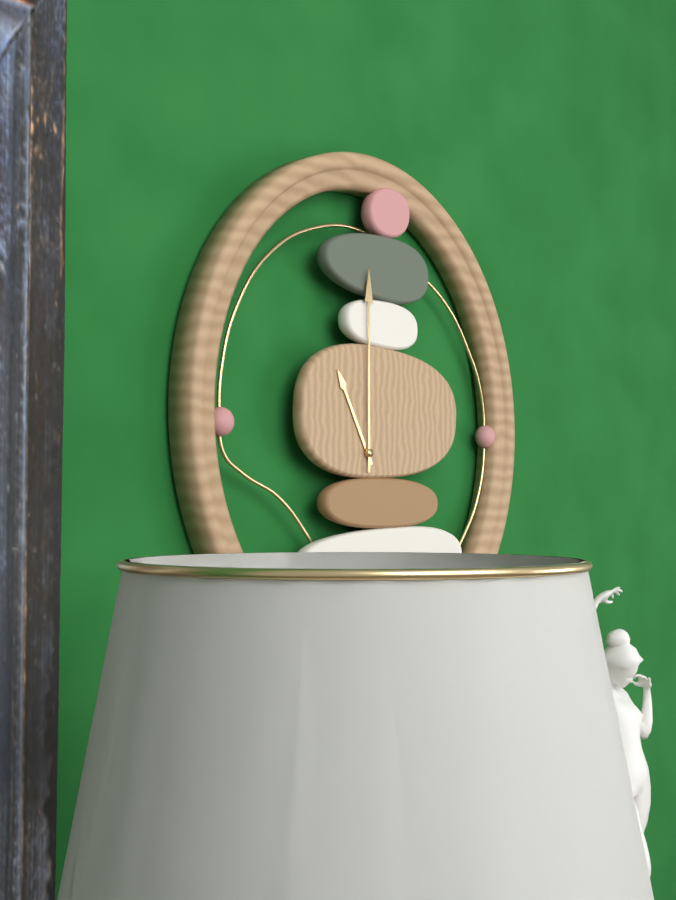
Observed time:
h=11 m=0
